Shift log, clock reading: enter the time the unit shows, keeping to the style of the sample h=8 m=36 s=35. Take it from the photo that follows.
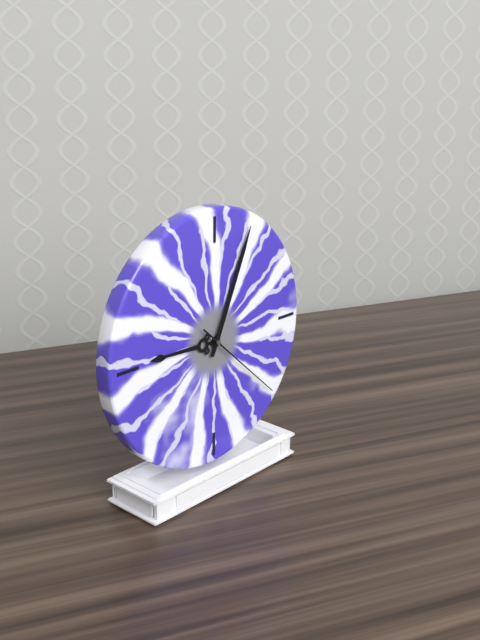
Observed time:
h=9 m=4 s=22
